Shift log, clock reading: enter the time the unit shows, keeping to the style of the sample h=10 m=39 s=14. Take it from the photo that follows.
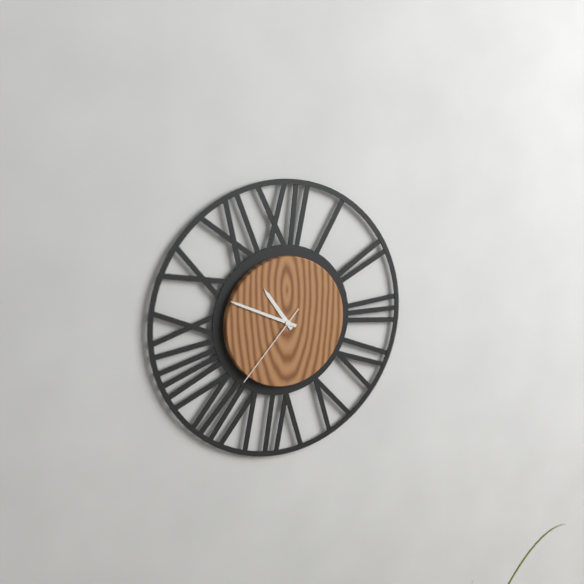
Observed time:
h=10 m=49 s=37
